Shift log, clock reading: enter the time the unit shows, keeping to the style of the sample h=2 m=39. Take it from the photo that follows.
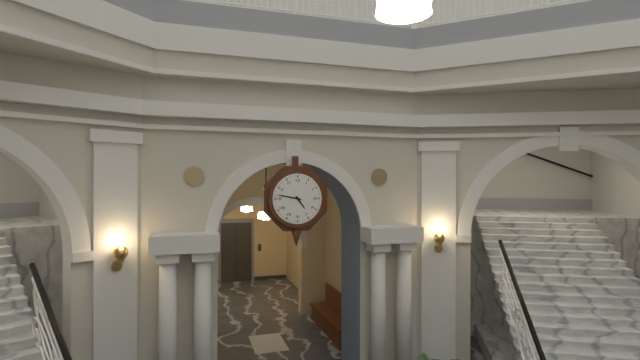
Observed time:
h=4 m=47
